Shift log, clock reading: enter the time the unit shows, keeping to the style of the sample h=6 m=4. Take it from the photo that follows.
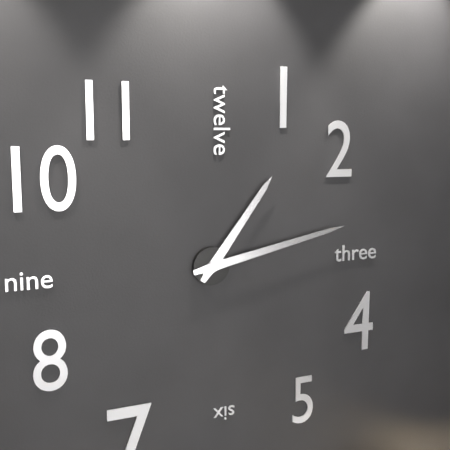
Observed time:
h=1 m=13
